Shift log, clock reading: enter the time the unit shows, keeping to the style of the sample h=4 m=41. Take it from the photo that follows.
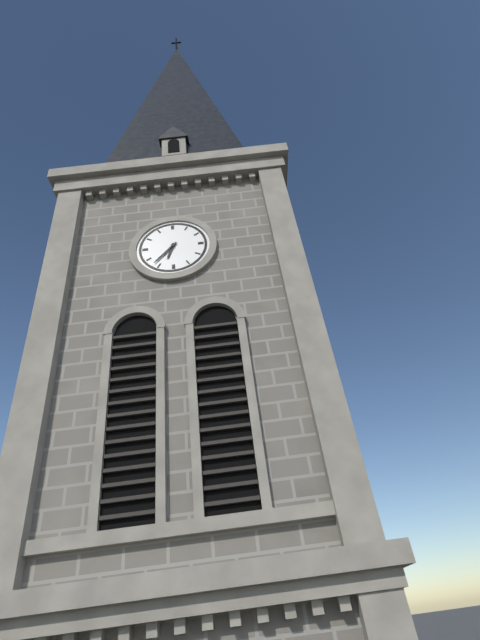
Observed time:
h=6 m=37
